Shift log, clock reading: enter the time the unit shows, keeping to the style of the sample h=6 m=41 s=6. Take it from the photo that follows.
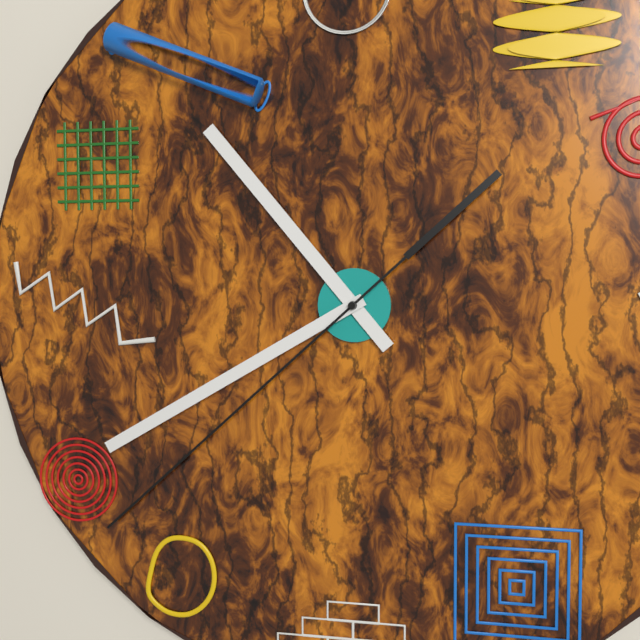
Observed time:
h=10 m=40 s=38
